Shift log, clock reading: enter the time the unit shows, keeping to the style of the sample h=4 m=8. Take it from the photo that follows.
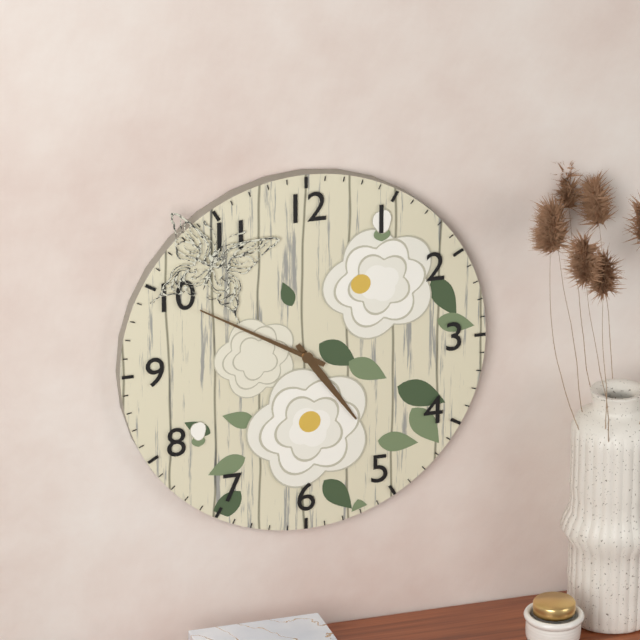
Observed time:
h=4 m=50
